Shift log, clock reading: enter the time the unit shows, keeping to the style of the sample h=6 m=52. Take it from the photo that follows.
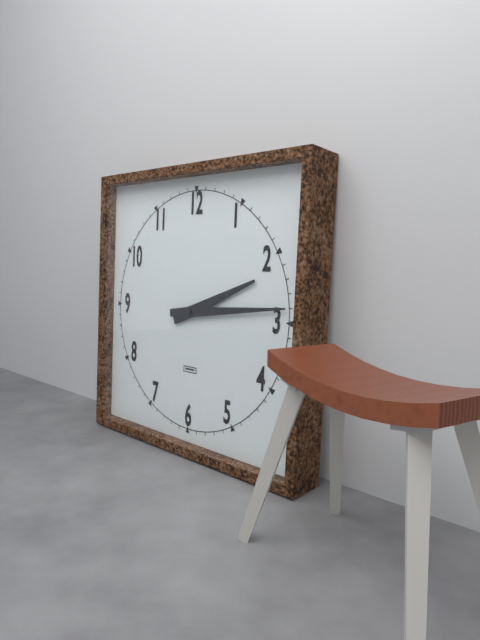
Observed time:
h=2 m=14
